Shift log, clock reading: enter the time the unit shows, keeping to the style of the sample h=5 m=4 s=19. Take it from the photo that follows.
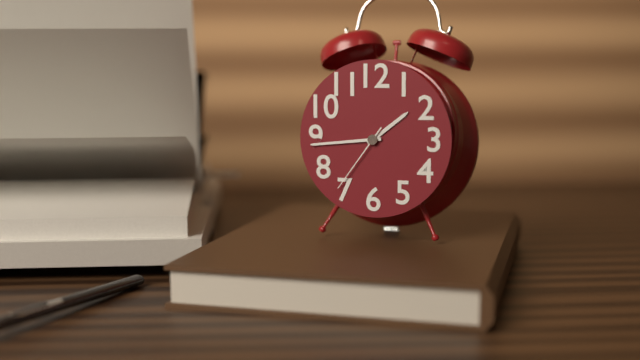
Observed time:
h=1 m=44 s=36
